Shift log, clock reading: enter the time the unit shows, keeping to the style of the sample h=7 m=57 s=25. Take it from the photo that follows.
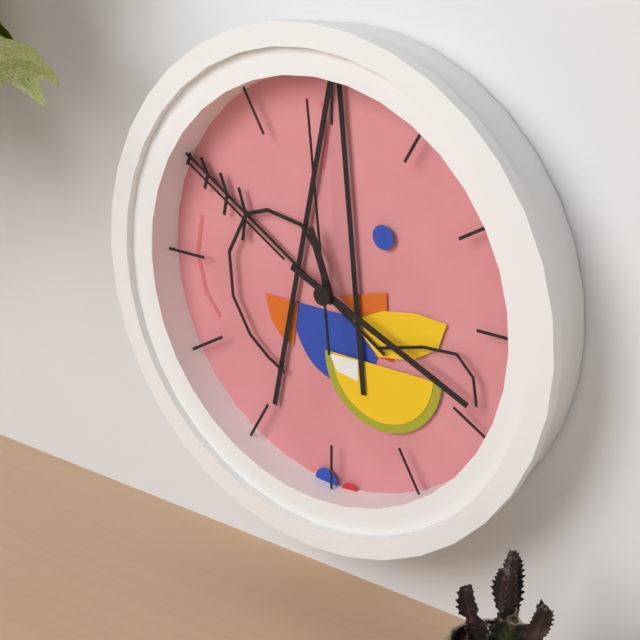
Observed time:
h=11 m=19 s=59
